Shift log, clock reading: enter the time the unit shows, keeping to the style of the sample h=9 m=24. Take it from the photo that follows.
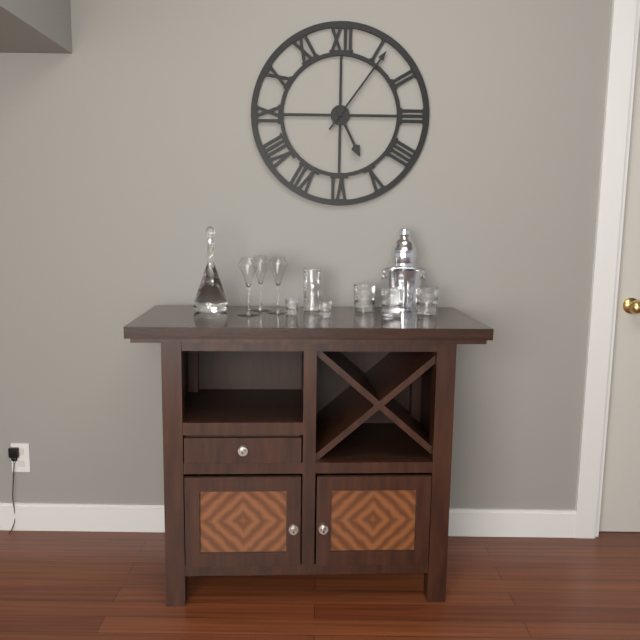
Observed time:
h=5 m=6
